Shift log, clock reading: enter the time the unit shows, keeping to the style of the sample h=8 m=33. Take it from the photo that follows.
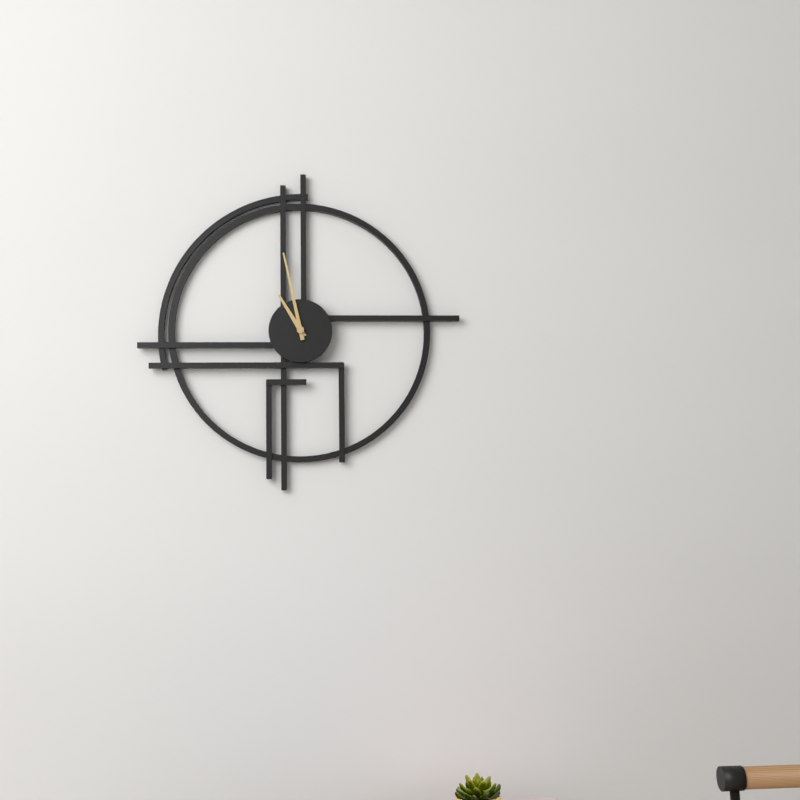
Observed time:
h=10 m=58
